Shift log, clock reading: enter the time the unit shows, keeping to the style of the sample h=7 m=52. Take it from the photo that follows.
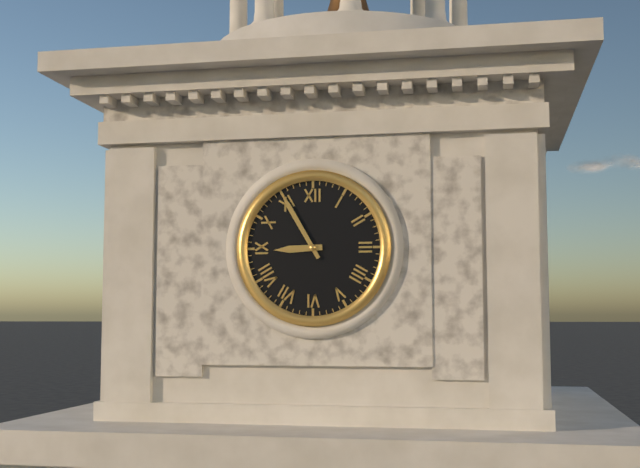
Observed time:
h=8 m=55
